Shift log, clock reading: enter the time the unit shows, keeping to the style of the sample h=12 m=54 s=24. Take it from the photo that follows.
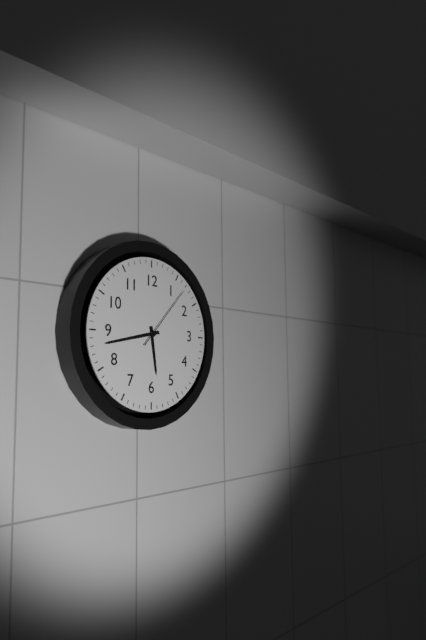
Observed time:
h=5 m=43 s=7
